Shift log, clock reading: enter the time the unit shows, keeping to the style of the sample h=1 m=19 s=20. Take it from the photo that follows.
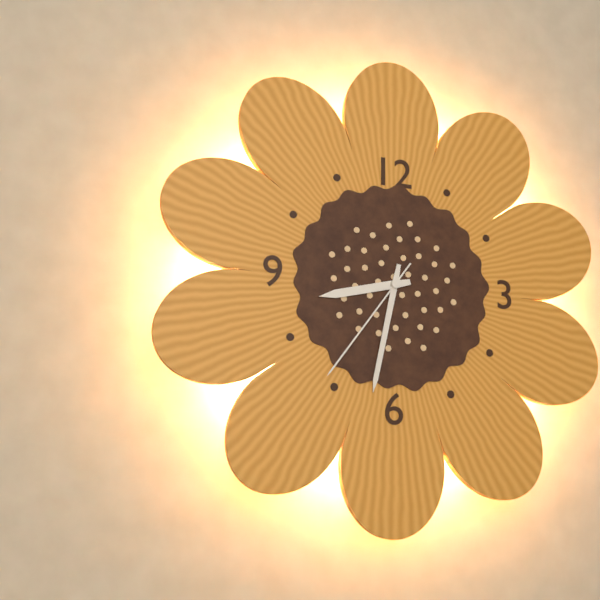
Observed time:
h=8 m=32 s=36
